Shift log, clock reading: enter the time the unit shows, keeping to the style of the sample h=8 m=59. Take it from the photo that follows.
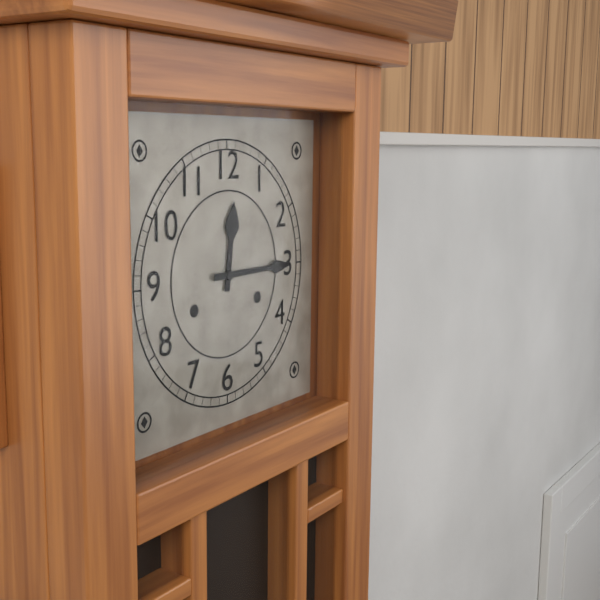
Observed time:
h=12 m=15
